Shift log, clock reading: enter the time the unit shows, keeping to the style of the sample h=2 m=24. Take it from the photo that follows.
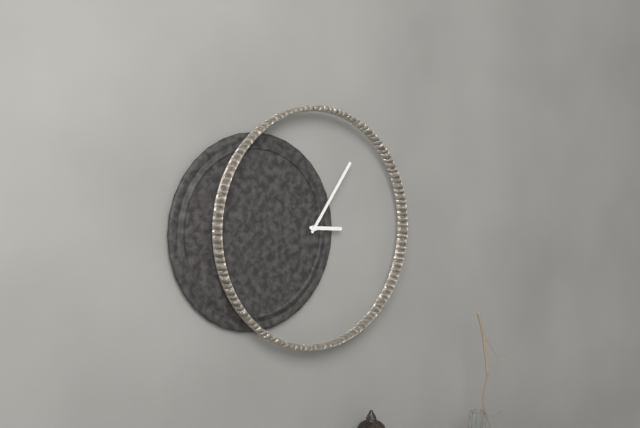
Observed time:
h=3 m=6
